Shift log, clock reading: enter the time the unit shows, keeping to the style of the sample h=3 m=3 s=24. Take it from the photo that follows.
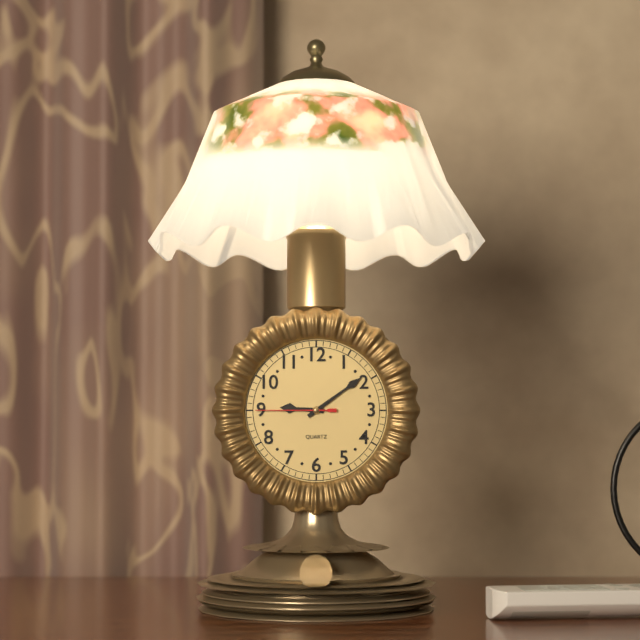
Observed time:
h=9 m=9 s=45
